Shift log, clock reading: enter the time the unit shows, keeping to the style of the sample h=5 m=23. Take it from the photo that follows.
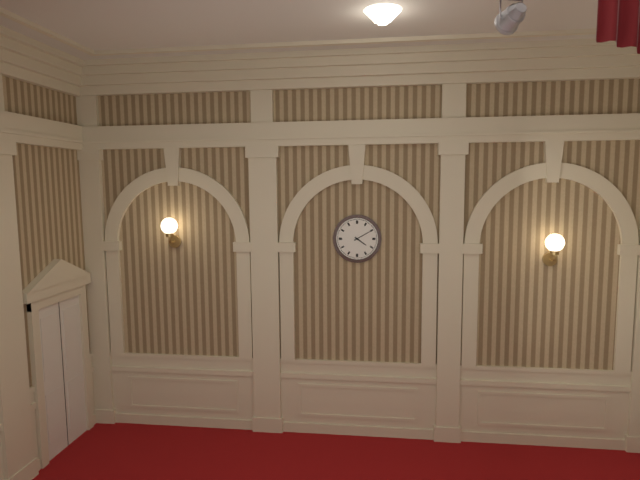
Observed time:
h=4 m=10
